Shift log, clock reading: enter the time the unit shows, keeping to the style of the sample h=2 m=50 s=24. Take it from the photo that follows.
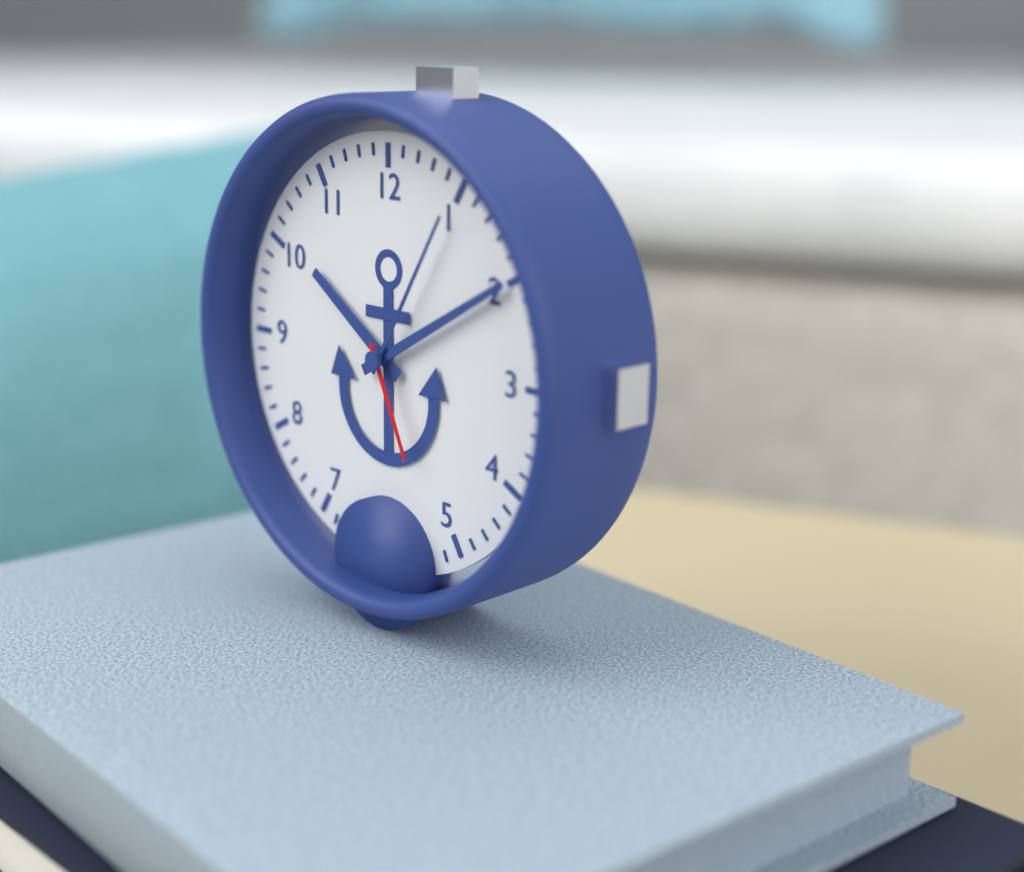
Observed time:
h=10 m=10 s=26
